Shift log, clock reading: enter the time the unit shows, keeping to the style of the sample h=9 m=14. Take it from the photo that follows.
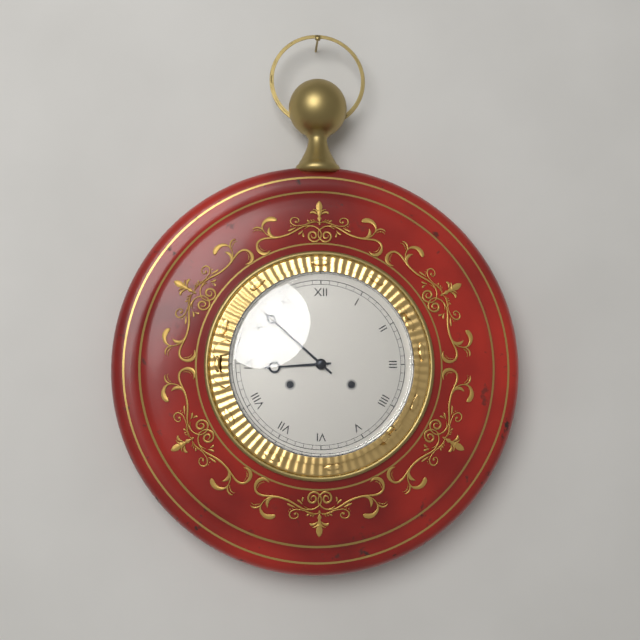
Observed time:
h=8 m=52
